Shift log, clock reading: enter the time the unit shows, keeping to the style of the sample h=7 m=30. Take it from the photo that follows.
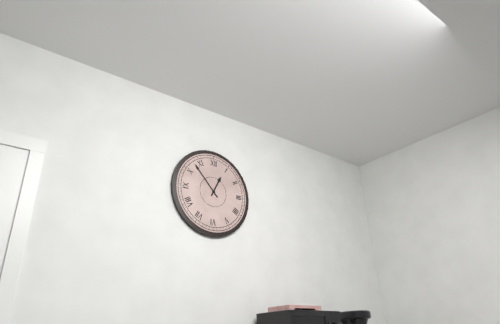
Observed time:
h=12 m=53
